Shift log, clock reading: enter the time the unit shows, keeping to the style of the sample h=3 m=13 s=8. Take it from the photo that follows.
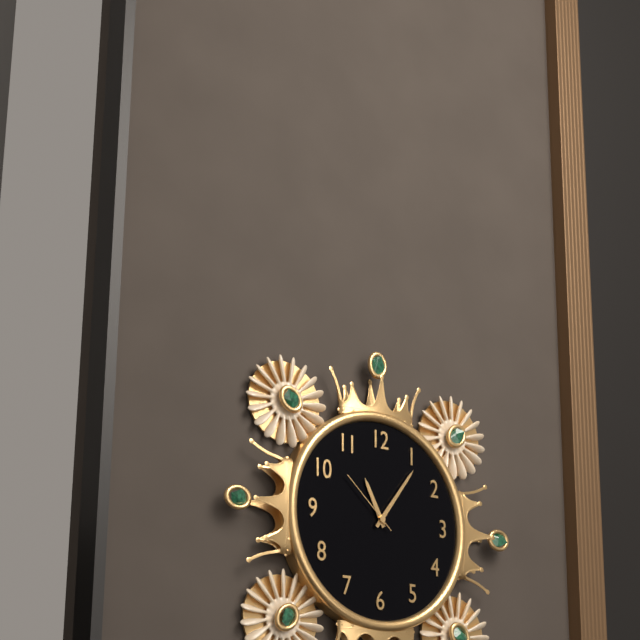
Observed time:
h=11 m=6 s=52
